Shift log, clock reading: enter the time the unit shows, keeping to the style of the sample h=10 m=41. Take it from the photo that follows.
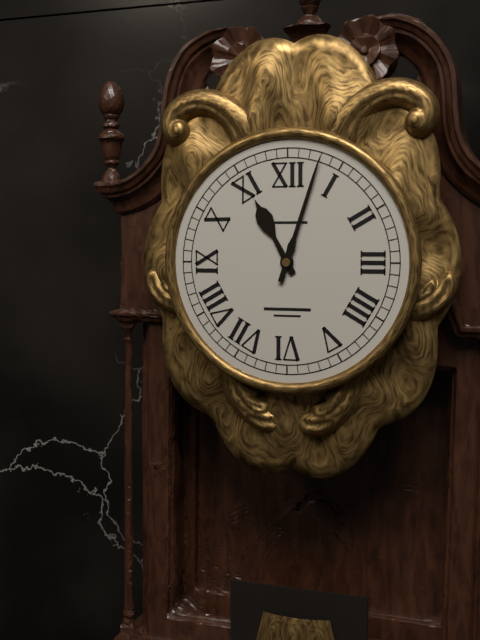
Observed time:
h=11 m=3
